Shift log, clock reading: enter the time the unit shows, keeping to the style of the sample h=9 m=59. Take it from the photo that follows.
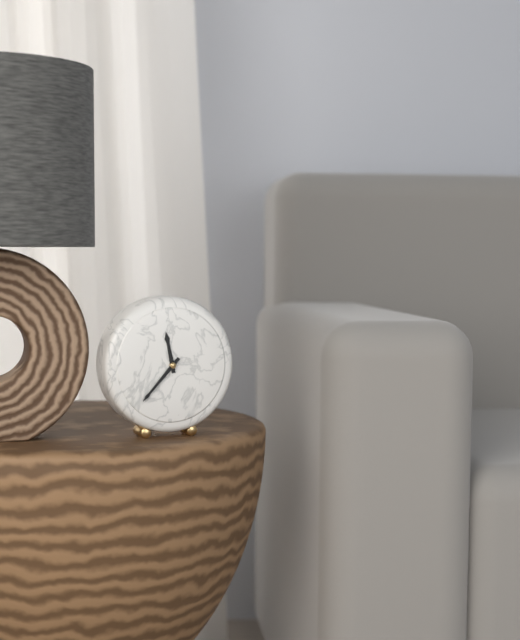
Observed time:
h=11 m=37
